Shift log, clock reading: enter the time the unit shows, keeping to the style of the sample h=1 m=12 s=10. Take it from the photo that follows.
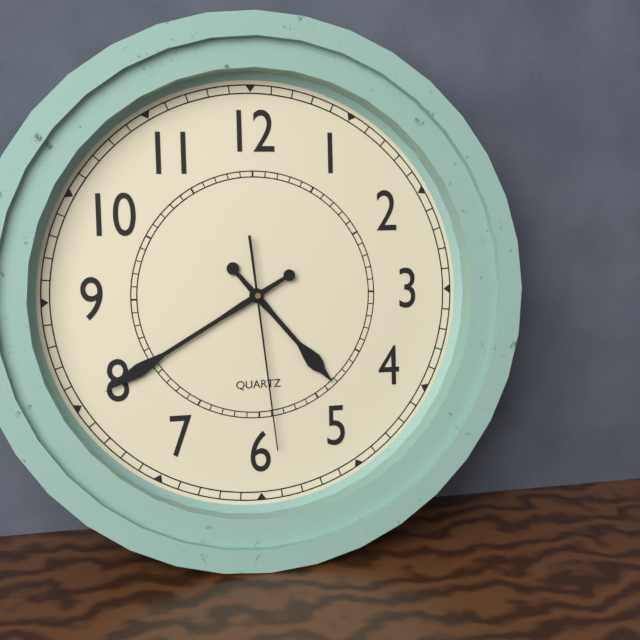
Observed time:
h=4 m=40 s=29
